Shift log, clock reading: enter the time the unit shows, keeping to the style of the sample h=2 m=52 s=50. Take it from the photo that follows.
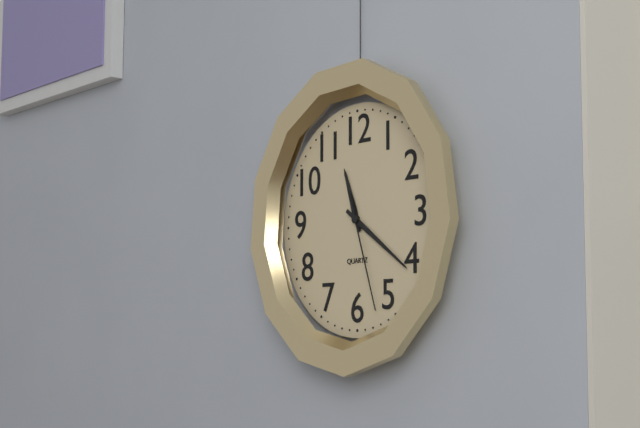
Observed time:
h=11 m=21 s=27
